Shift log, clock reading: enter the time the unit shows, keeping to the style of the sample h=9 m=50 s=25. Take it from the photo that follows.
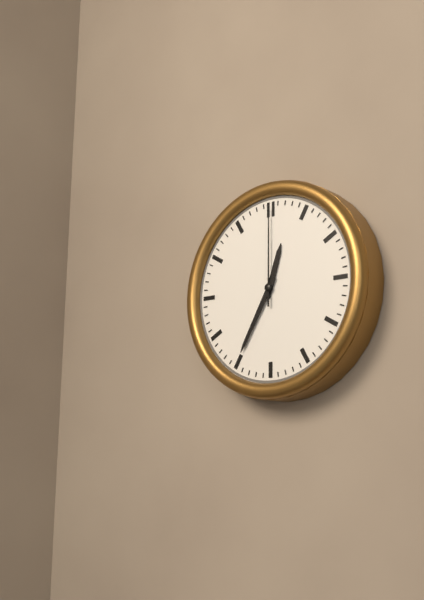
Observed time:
h=12 m=35 s=0
